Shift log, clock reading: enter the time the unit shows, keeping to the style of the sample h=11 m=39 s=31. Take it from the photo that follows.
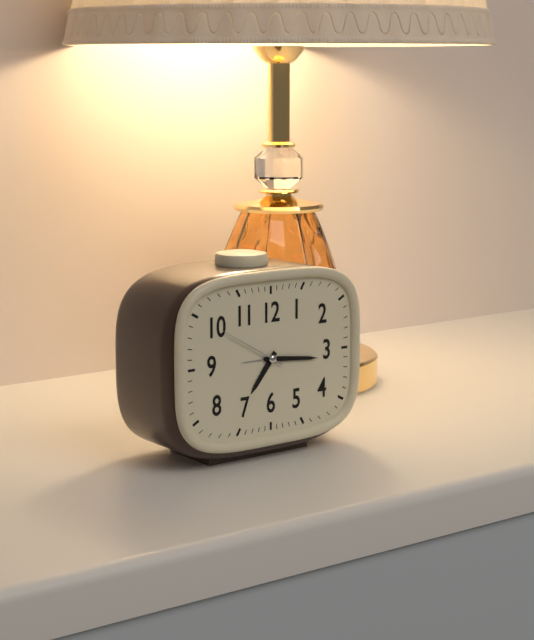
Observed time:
h=7 m=16 s=50
